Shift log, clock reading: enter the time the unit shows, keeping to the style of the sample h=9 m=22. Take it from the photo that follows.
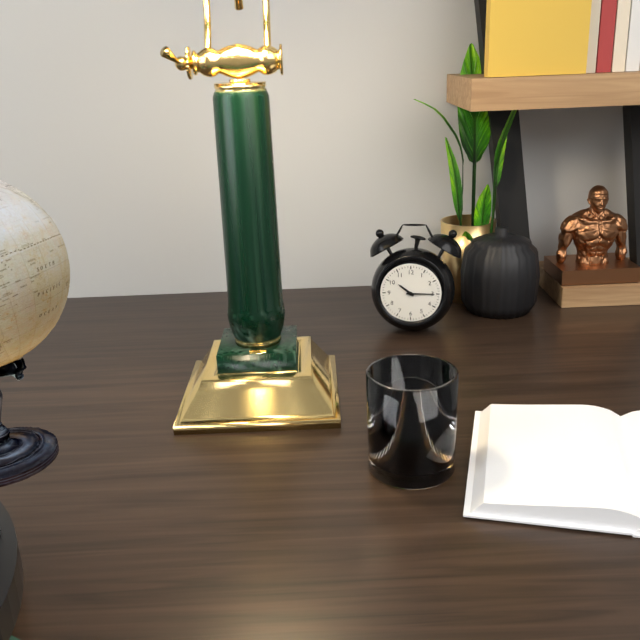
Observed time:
h=10 m=15
